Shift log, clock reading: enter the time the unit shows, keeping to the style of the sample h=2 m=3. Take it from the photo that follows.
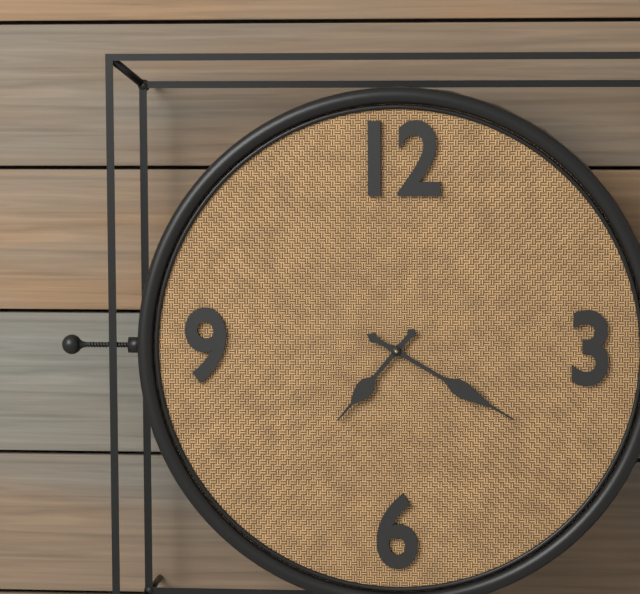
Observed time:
h=7 m=20
